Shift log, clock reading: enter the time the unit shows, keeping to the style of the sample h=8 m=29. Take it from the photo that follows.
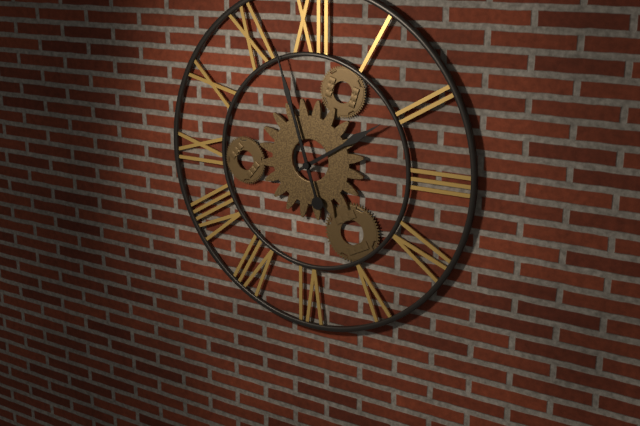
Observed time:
h=1 m=57
